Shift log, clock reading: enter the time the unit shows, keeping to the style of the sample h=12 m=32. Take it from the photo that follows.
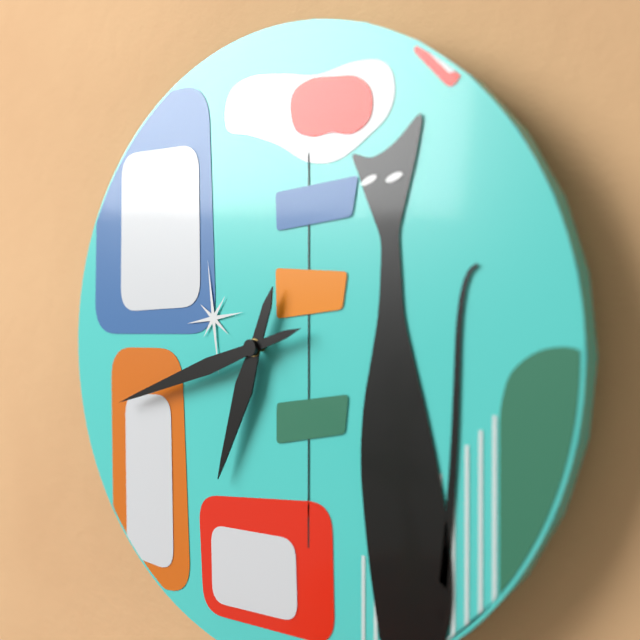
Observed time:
h=6 m=42
